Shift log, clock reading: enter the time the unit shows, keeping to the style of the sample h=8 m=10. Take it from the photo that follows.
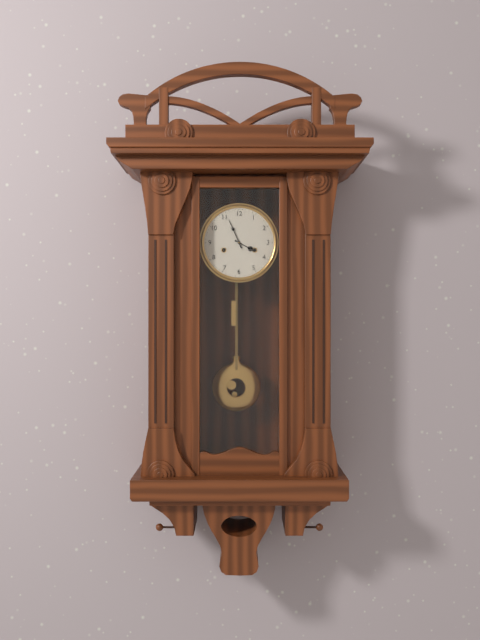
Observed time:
h=3 m=56
